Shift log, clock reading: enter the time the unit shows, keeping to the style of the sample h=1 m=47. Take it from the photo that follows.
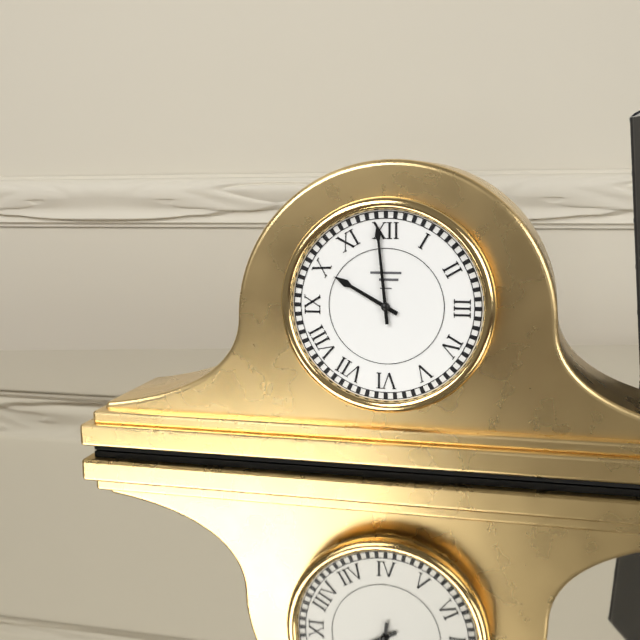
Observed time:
h=9 m=59
